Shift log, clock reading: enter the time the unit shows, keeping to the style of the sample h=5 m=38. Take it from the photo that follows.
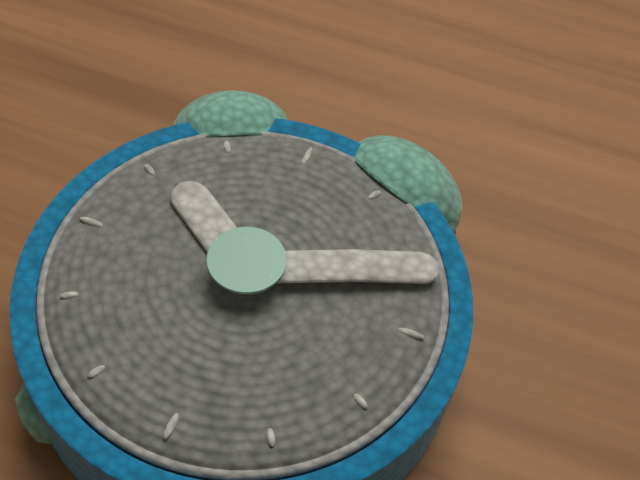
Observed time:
h=10 m=11
